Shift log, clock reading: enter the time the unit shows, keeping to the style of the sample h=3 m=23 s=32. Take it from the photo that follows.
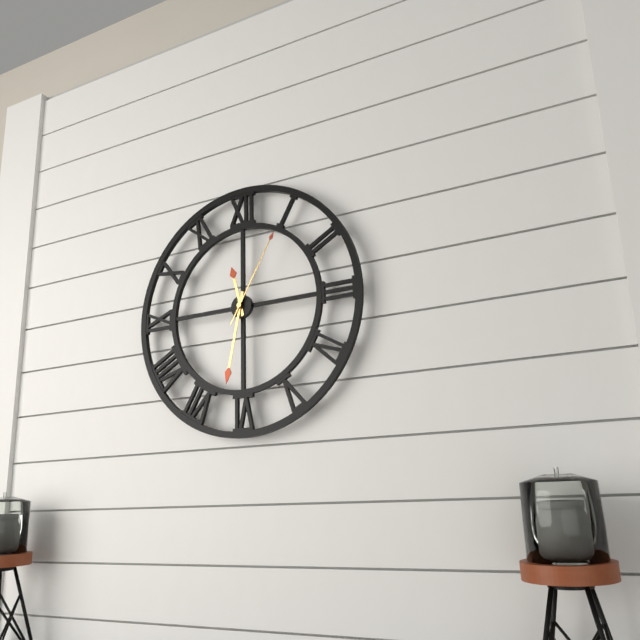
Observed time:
h=11 m=32 s=5
